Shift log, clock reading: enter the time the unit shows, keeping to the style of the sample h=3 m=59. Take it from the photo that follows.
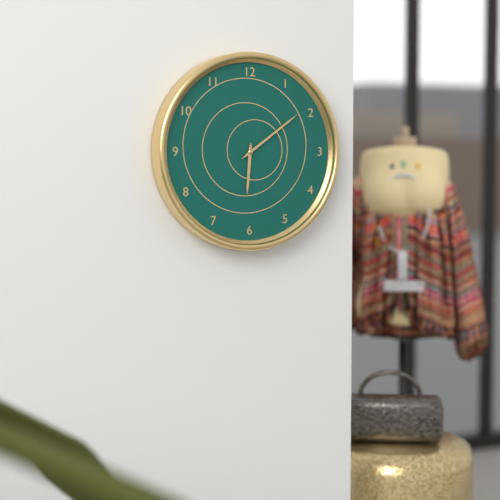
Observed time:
h=6 m=9
